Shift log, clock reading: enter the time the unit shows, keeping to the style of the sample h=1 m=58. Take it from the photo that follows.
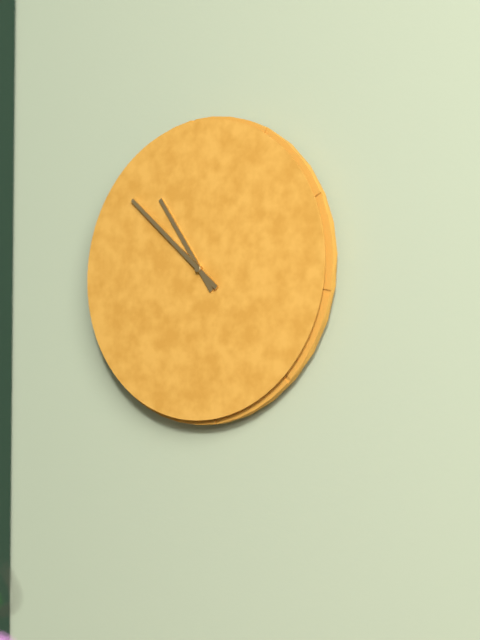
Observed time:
h=10 m=52
